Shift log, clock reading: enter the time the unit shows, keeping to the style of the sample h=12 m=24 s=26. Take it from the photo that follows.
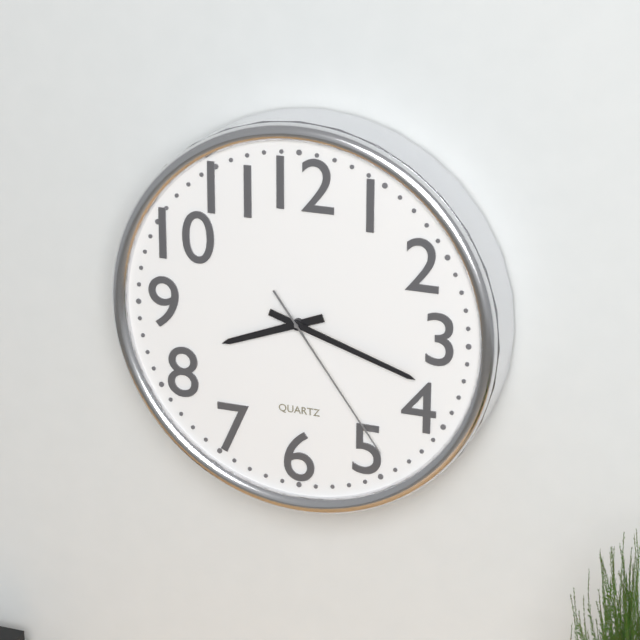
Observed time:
h=8 m=18 s=24
